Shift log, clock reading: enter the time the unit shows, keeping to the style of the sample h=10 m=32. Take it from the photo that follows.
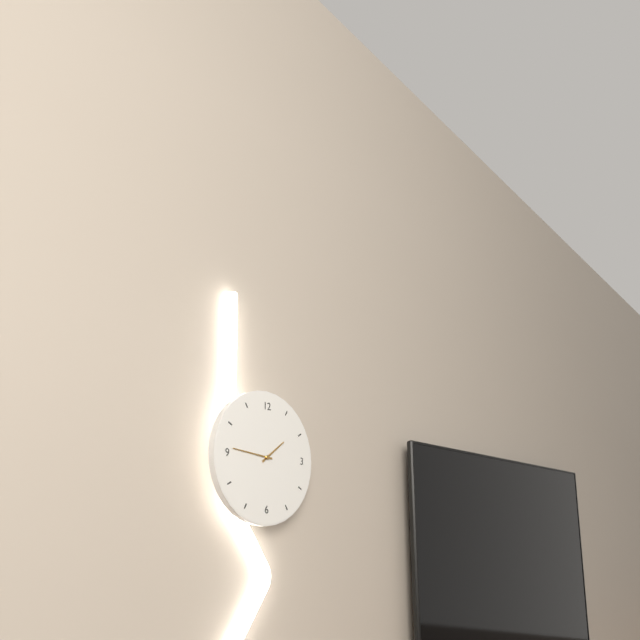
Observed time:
h=1 m=46
